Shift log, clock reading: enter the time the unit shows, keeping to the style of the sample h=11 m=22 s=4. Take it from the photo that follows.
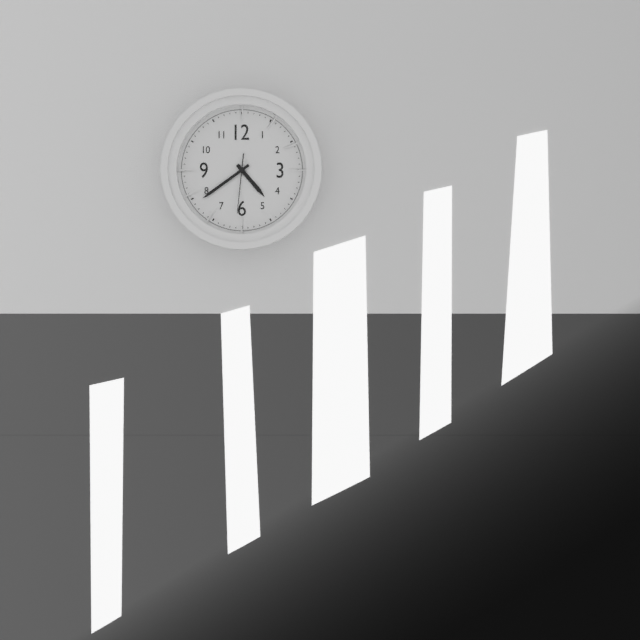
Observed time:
h=4 m=39 s=31
